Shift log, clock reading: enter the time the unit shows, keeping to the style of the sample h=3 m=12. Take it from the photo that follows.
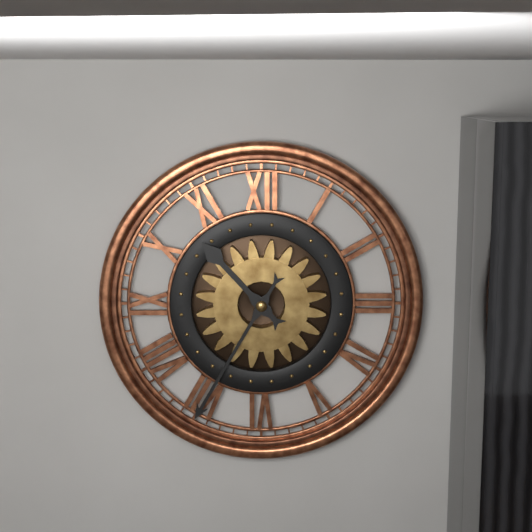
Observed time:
h=10 m=35
